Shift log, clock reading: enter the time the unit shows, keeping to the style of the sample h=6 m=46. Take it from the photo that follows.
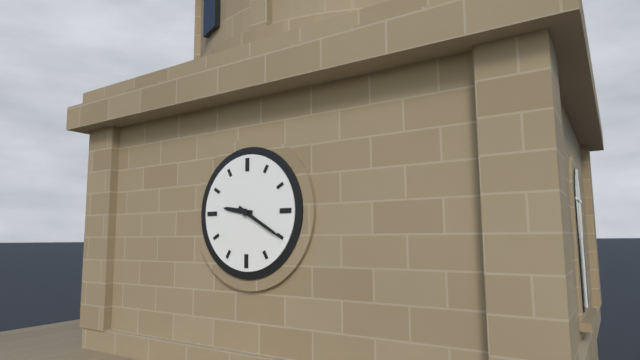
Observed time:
h=9 m=20
